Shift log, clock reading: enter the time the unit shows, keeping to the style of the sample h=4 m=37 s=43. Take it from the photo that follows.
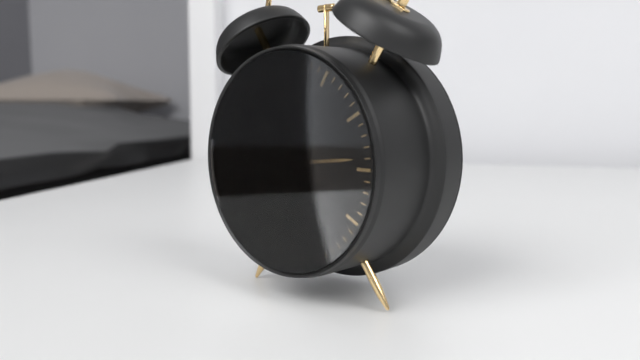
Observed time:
h=5 m=14 s=51
